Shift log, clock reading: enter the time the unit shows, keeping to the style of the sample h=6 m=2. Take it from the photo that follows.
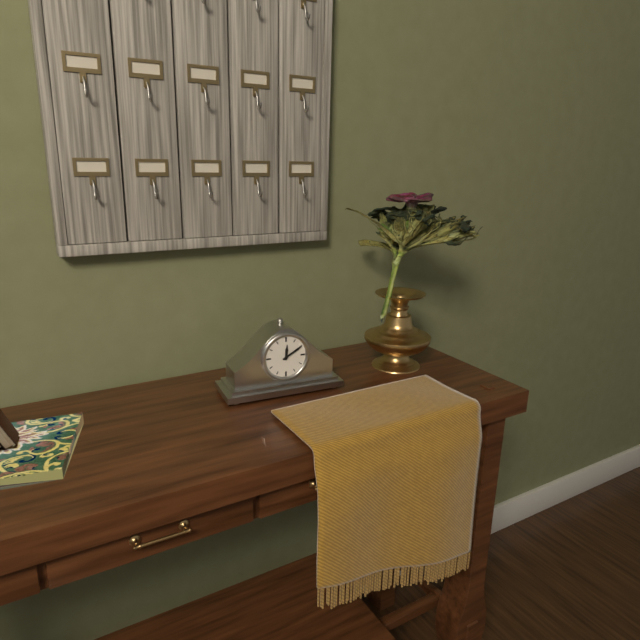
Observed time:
h=12 m=10
